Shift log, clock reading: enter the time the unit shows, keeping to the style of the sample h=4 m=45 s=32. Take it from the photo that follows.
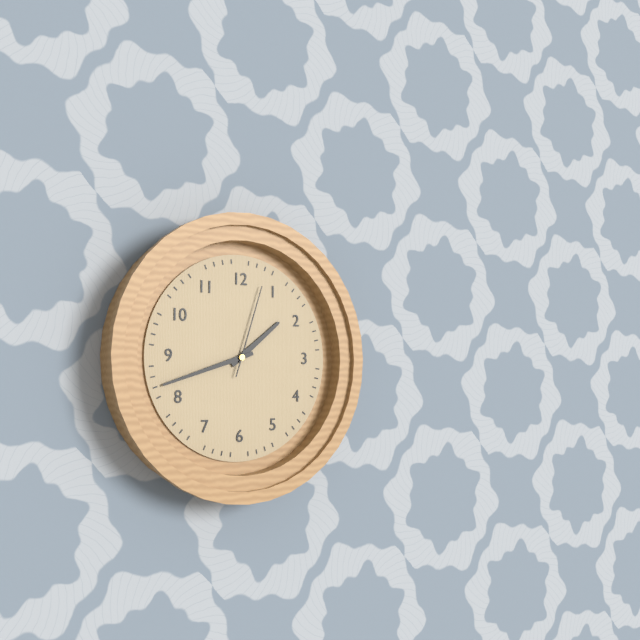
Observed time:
h=1 m=42 s=3
